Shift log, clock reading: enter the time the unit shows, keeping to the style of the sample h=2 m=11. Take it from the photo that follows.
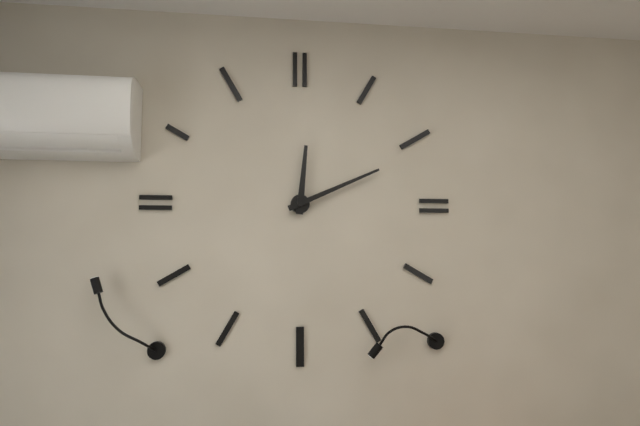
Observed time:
h=12 m=11
